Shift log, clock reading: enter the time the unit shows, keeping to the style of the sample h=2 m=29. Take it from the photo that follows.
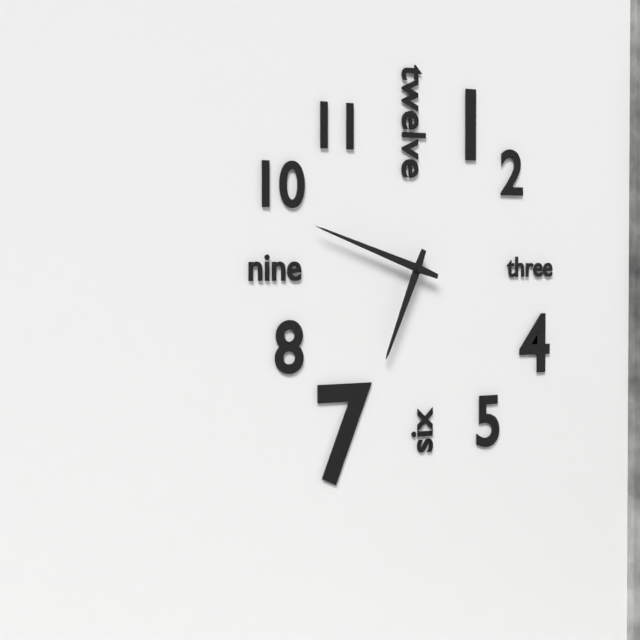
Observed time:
h=6 m=48
